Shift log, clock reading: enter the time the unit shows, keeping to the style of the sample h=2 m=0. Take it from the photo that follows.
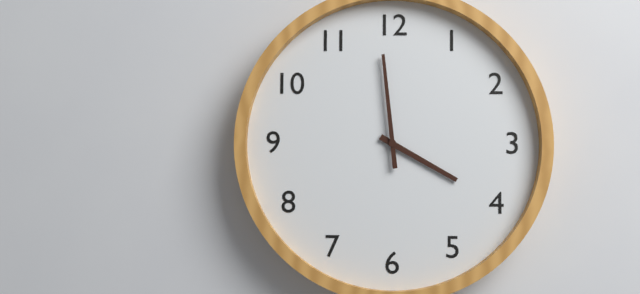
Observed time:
h=3 m=59
